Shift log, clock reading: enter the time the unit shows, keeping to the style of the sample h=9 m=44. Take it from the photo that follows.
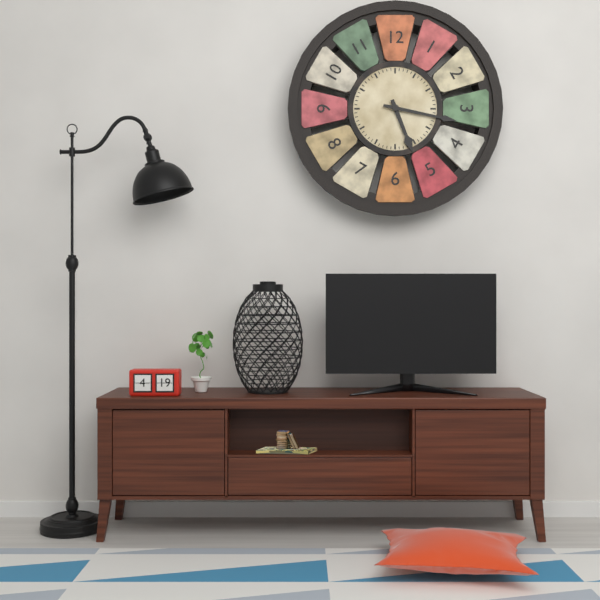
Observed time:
h=5 m=17
